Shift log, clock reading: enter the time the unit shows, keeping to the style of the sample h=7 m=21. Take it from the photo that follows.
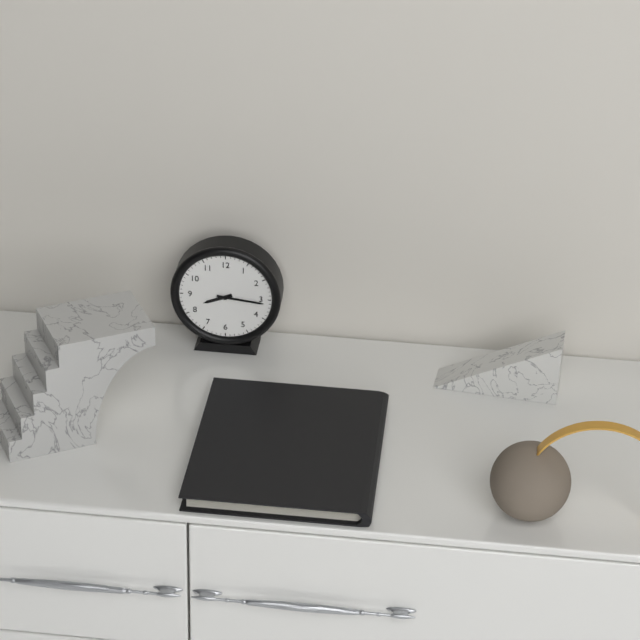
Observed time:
h=8 m=16
